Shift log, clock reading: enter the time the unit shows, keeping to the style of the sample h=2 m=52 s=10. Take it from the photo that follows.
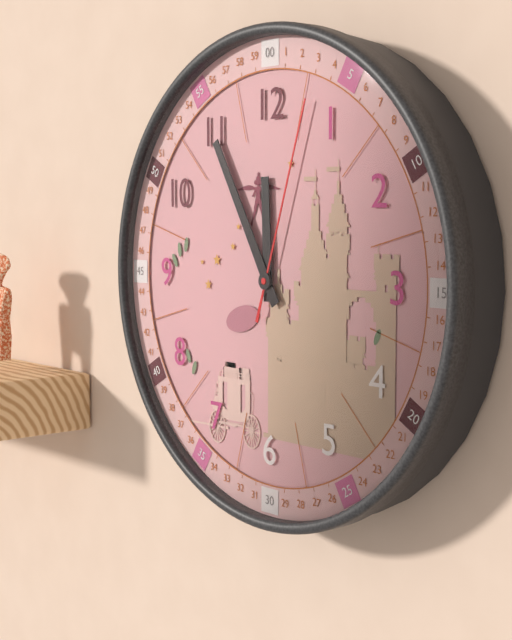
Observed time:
h=11 m=55 s=3
